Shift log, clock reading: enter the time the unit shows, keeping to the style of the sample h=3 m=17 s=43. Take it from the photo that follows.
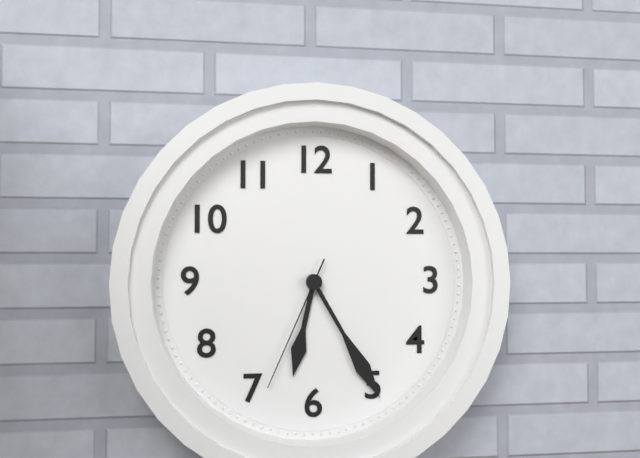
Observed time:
h=6 m=25 s=34
